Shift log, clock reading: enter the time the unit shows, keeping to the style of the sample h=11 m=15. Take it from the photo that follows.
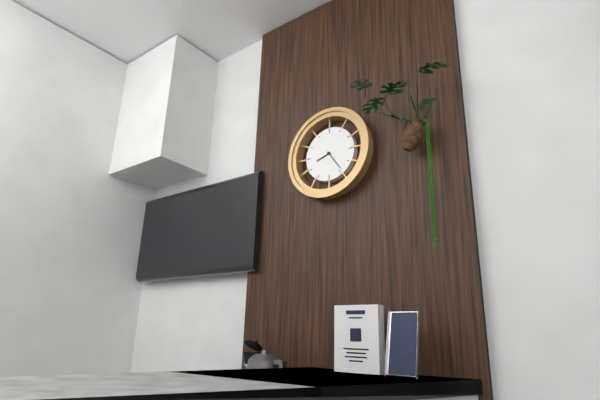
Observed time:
h=8 m=24
